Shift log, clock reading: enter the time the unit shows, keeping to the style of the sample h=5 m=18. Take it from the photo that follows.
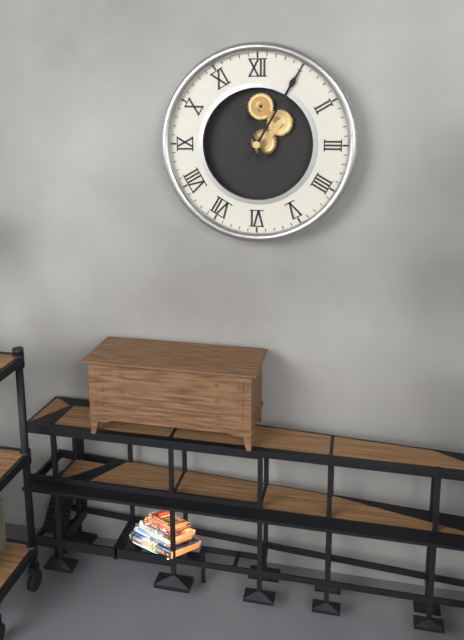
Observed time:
h=11 m=5
